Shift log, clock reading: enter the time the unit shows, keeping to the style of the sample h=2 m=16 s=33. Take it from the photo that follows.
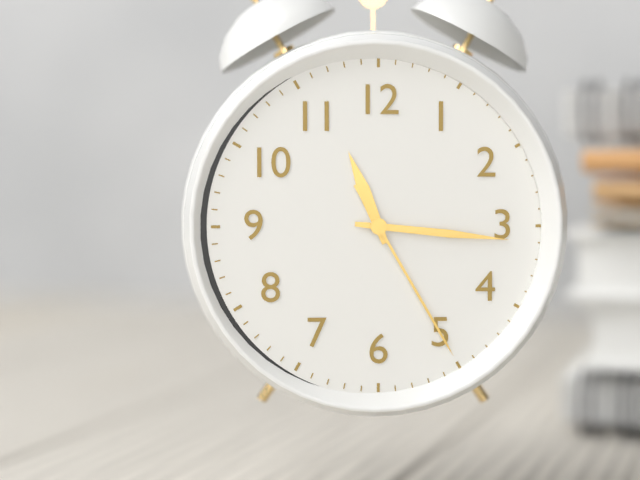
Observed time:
h=11 m=16 s=25
